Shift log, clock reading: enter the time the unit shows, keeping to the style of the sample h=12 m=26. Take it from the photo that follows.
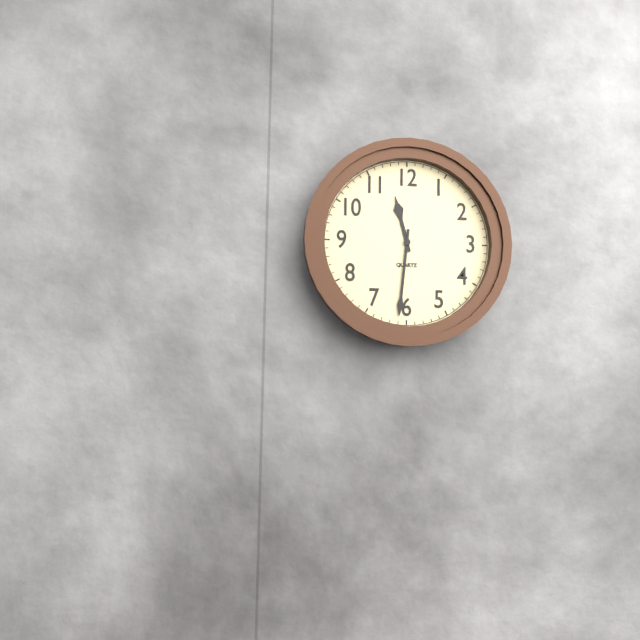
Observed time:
h=11 m=31
